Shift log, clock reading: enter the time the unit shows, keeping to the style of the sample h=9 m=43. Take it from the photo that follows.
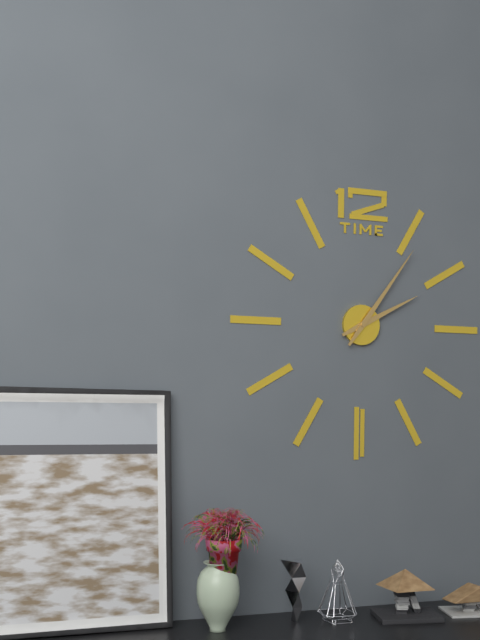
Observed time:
h=2 m=6
